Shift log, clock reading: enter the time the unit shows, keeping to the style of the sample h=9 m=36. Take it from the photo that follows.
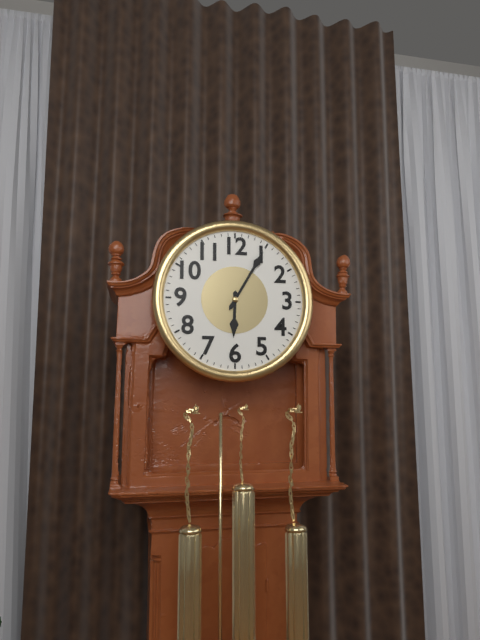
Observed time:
h=6 m=5
